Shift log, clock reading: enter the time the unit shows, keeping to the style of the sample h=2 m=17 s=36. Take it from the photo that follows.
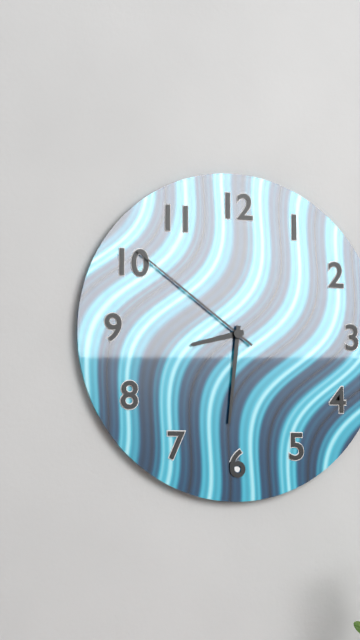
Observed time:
h=8 m=31 s=51
